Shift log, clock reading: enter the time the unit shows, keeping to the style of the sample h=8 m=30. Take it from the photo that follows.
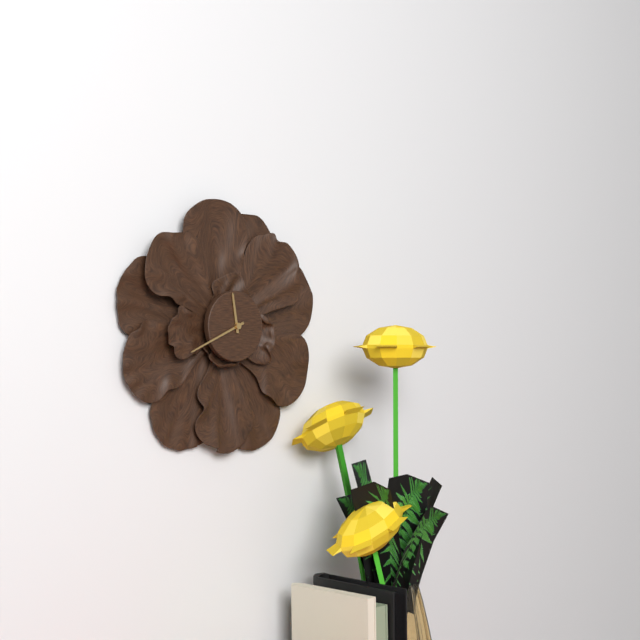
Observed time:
h=11 m=41
